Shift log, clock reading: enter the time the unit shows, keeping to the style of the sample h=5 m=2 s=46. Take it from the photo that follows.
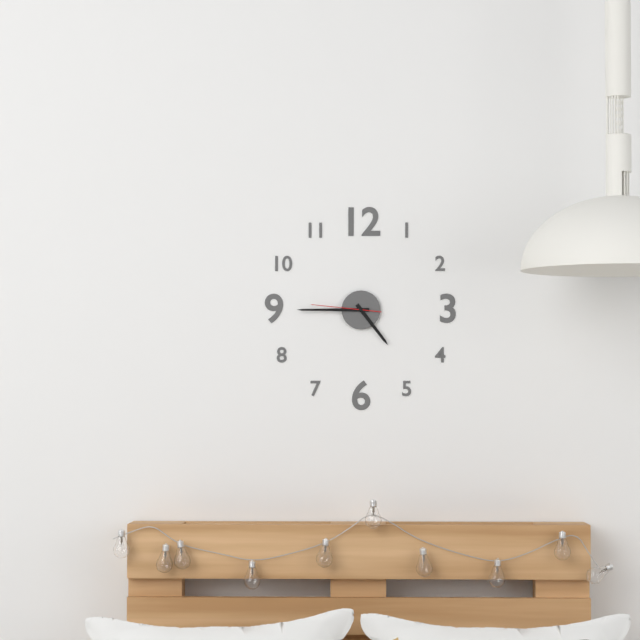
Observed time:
h=4 m=45 s=46
